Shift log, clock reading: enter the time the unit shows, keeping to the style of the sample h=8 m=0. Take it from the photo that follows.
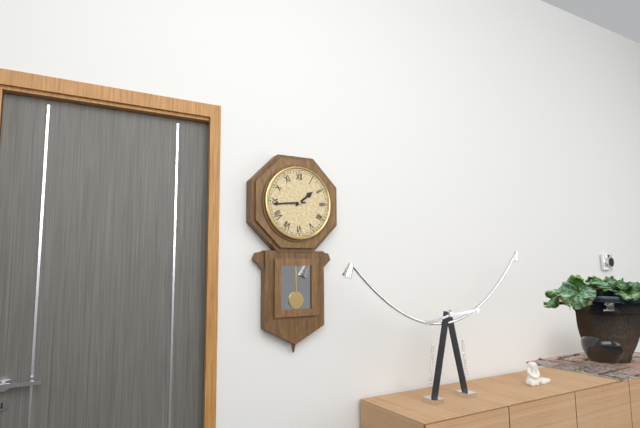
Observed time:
h=1 m=44
